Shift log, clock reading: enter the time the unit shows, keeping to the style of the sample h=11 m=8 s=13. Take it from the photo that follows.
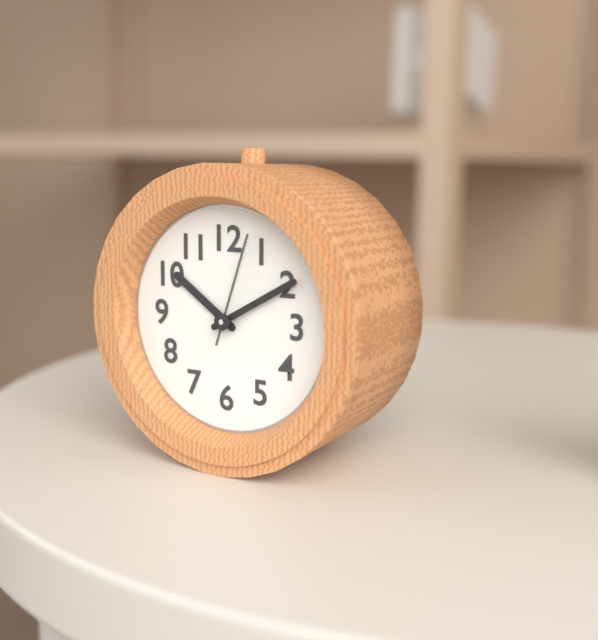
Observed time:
h=10 m=10 s=3
